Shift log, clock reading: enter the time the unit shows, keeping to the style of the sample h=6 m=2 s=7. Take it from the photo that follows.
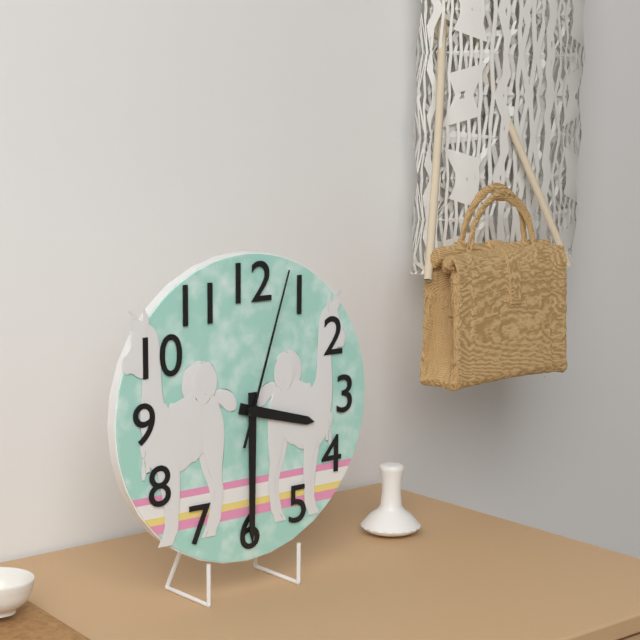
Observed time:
h=3 m=30 s=3
